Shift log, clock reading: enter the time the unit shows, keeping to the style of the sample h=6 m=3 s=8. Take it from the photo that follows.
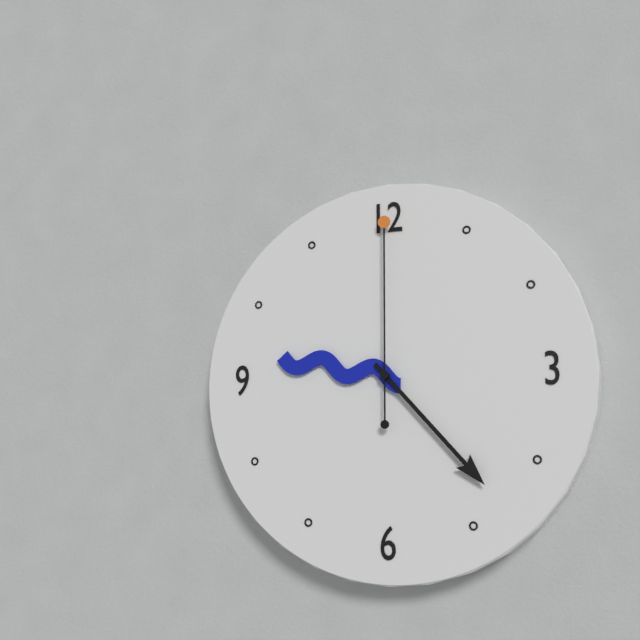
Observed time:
h=9 m=23 s=0
